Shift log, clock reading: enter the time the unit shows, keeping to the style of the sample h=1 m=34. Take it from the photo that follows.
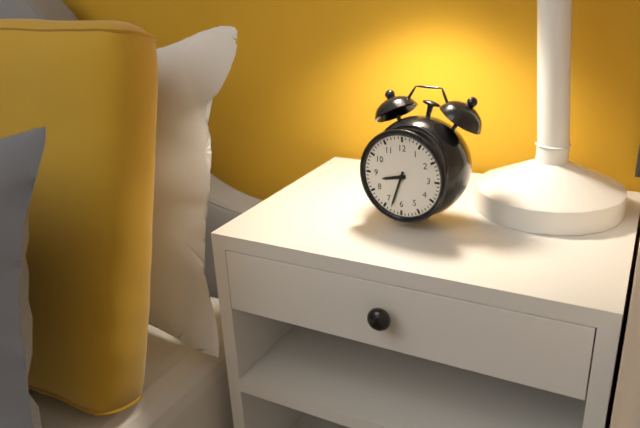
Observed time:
h=8 m=33
